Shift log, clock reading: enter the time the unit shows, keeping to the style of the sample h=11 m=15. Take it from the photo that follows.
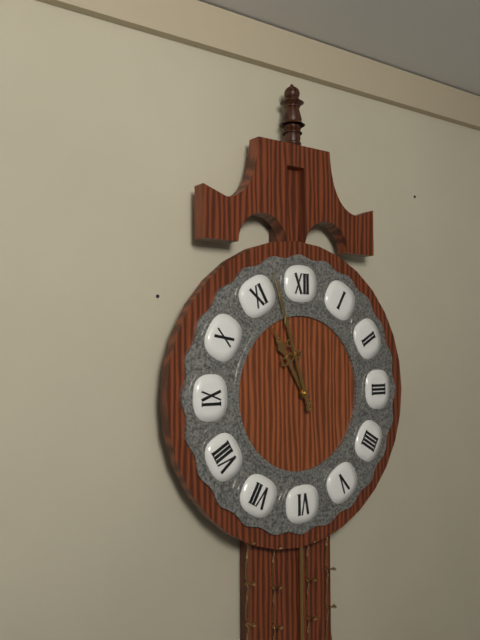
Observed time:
h=10 m=57
